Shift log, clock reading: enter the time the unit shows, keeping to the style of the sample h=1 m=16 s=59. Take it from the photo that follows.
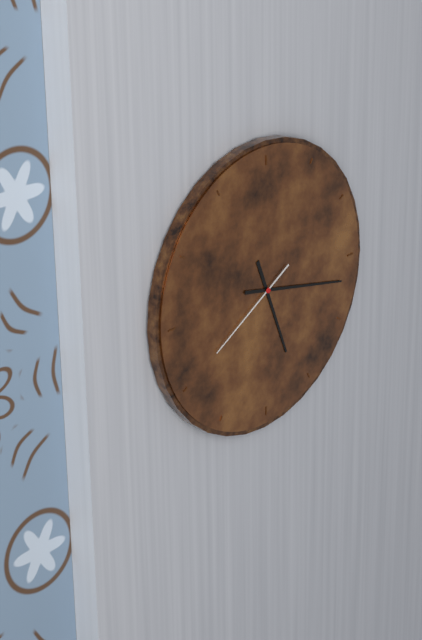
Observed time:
h=5 m=17 s=40
